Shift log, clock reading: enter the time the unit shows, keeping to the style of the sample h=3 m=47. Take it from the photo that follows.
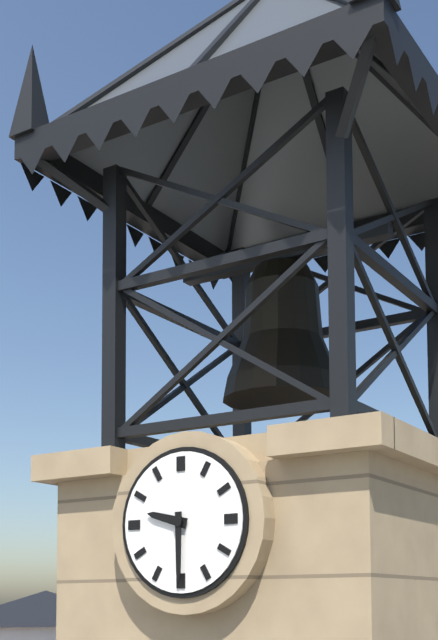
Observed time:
h=9 m=30
